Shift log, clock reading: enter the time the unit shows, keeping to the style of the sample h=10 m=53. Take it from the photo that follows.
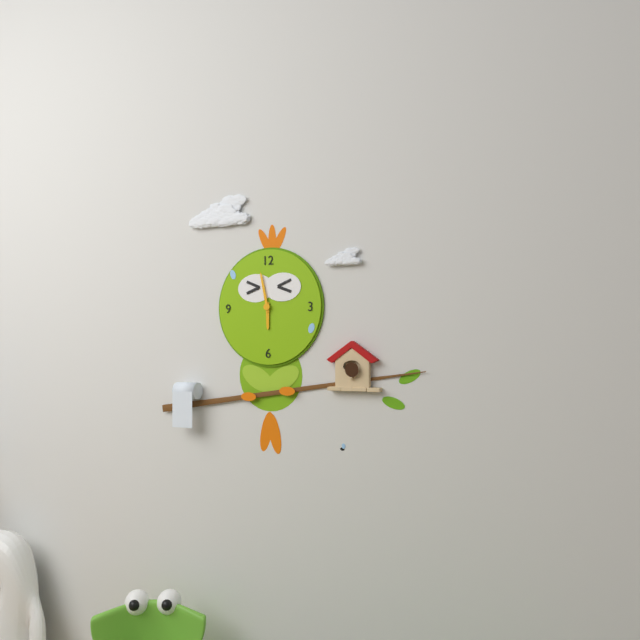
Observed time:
h=5 m=58
